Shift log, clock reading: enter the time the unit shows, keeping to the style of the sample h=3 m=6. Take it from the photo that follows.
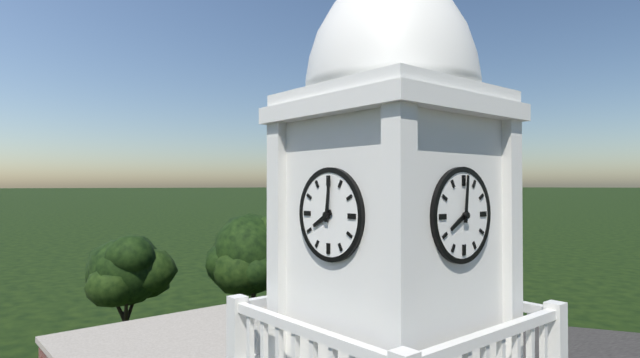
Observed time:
h=8 m=1
